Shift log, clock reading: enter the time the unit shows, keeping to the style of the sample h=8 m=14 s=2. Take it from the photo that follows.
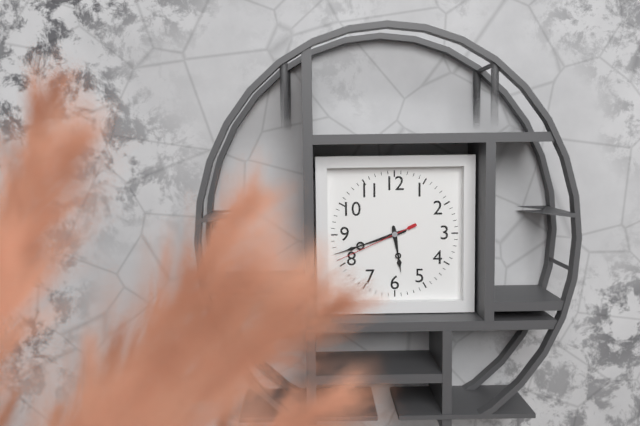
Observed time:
h=5 m=42 s=41
